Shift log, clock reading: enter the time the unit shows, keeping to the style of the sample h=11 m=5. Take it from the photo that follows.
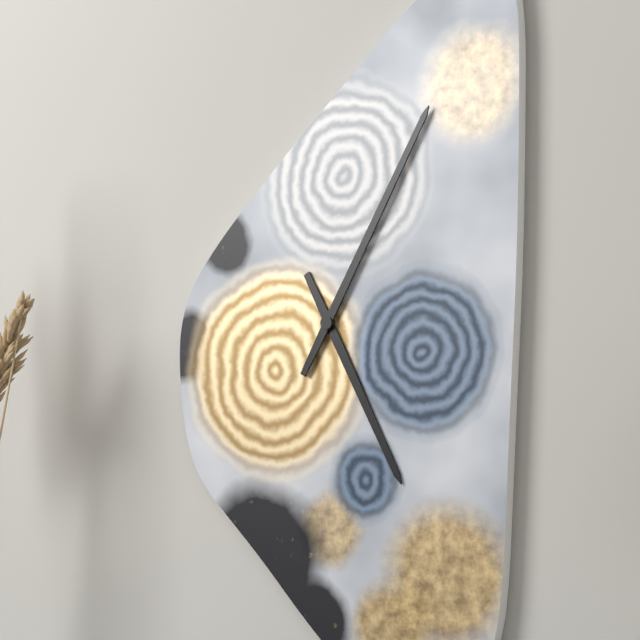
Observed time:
h=5 m=5
